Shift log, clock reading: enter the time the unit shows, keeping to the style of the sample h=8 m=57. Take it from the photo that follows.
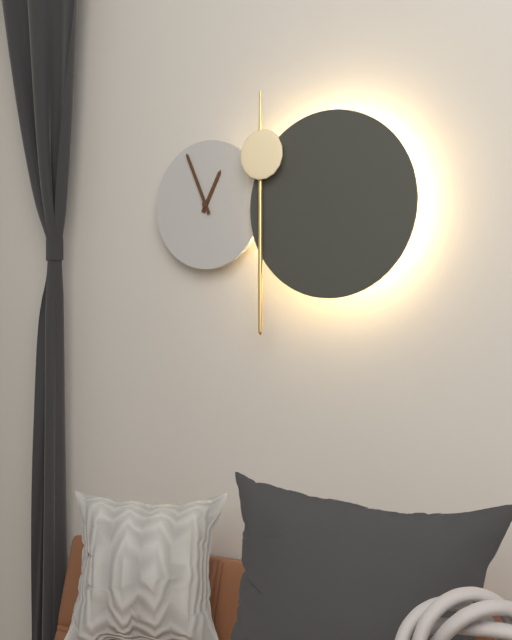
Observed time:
h=12 m=56
